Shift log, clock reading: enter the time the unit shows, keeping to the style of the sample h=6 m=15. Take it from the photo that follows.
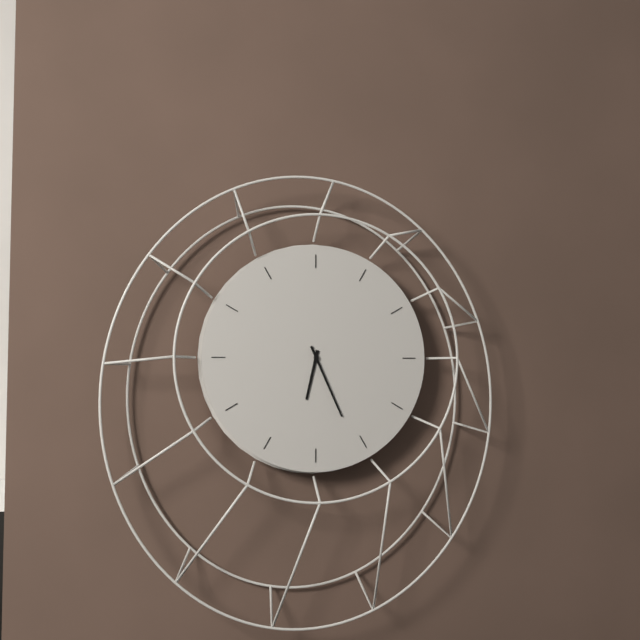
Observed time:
h=6 m=26
